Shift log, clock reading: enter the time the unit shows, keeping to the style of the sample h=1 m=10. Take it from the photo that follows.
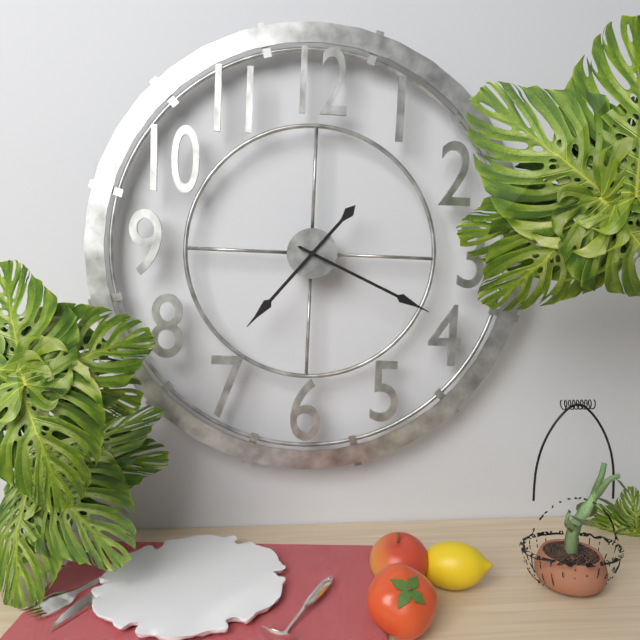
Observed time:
h=7 m=19
